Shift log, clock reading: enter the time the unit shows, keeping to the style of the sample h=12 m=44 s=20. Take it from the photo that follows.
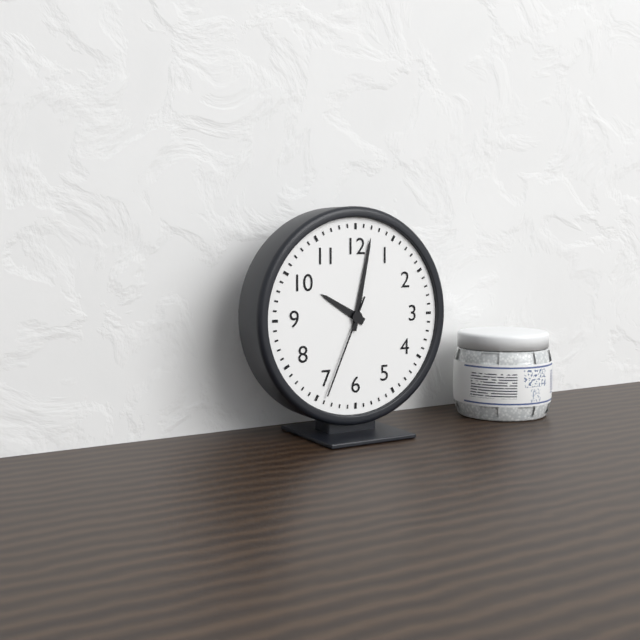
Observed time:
h=10 m=2 s=34
